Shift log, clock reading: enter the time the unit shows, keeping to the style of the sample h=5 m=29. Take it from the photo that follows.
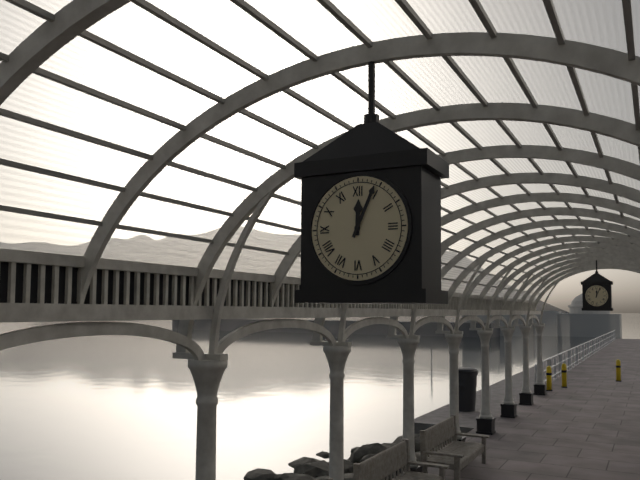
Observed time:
h=12 m=4
